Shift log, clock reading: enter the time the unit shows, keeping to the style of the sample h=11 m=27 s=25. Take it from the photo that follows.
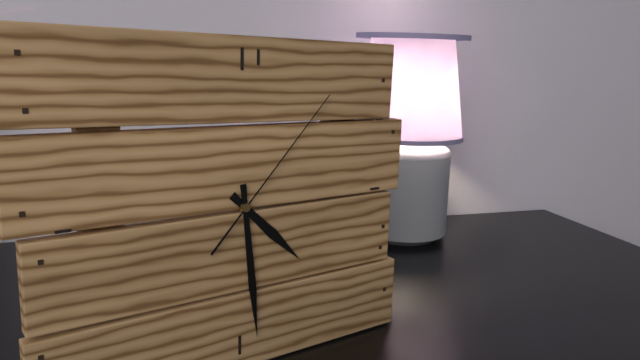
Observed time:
h=4 m=29 s=7
